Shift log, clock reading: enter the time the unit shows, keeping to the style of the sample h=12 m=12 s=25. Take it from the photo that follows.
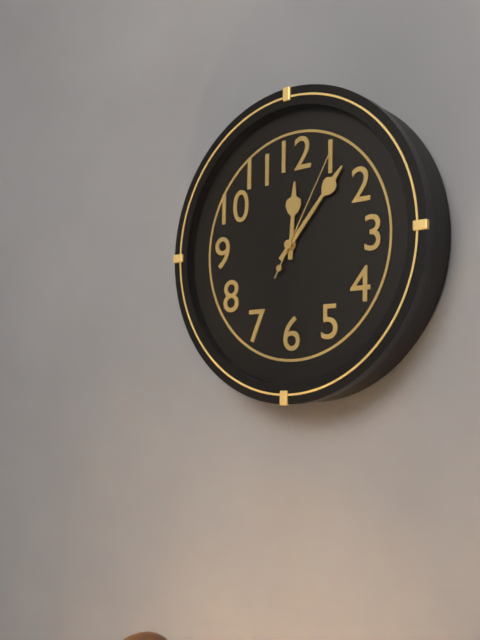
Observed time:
h=12 m=7 s=5
